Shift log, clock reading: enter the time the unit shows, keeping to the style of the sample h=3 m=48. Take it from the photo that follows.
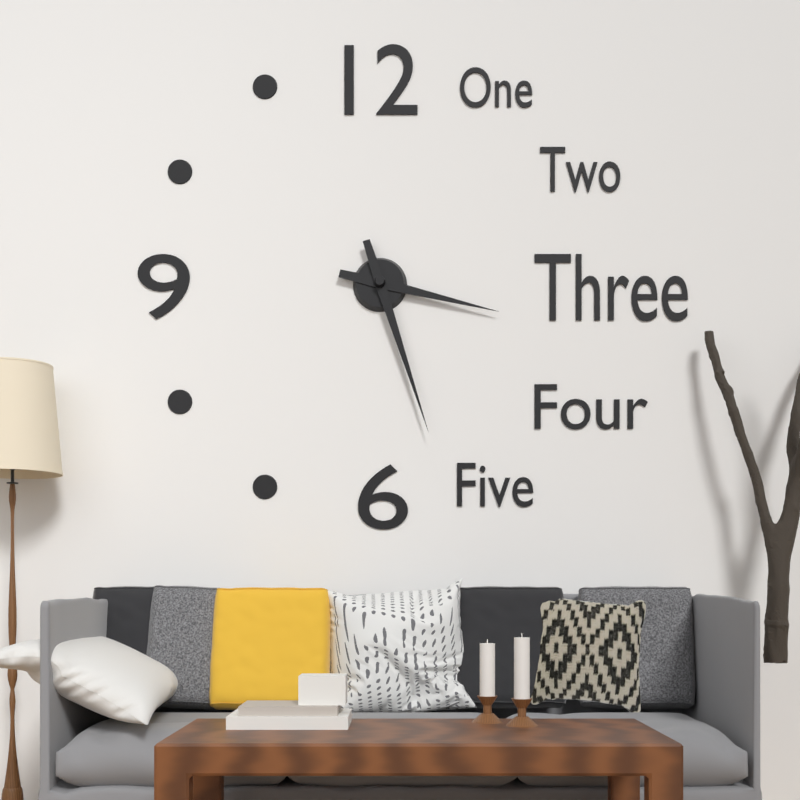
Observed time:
h=3 m=27
